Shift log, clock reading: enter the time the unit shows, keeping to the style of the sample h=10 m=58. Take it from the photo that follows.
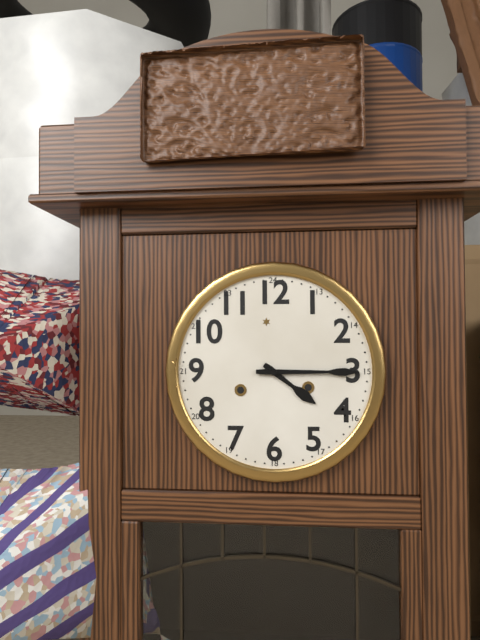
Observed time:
h=4 m=15
